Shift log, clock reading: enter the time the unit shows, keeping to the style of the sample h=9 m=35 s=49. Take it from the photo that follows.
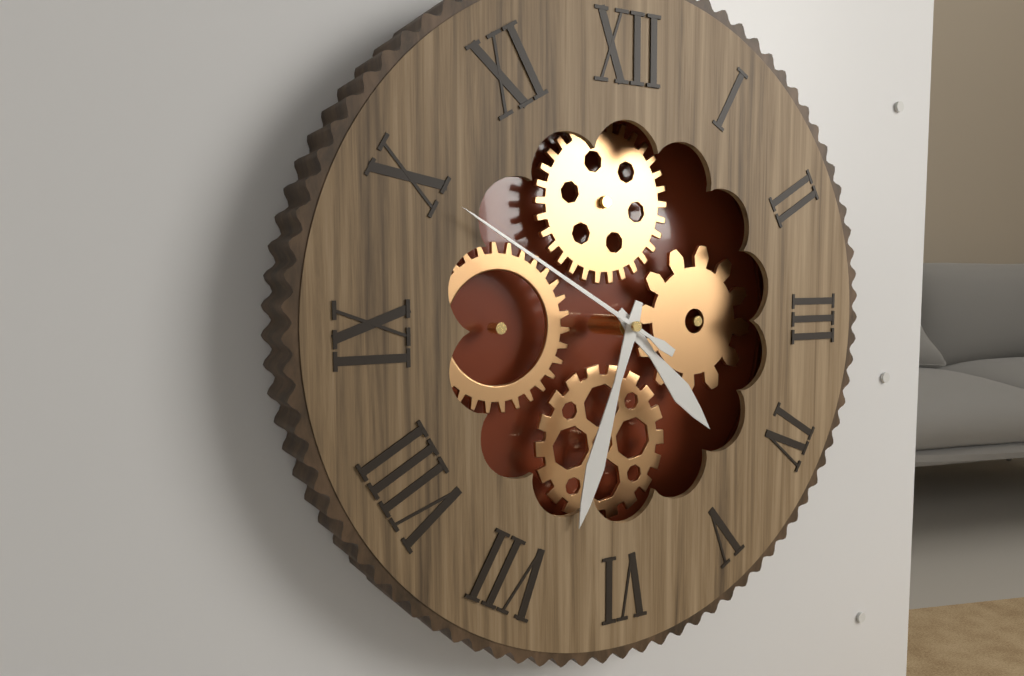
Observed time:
h=4 m=33 s=50
